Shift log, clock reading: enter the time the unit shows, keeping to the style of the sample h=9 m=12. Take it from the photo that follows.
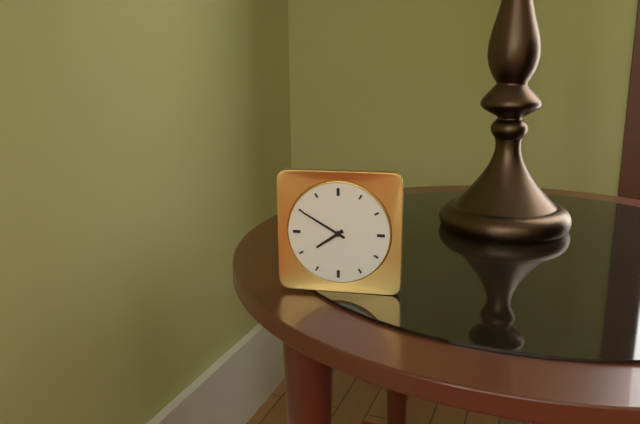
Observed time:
h=7 m=50
